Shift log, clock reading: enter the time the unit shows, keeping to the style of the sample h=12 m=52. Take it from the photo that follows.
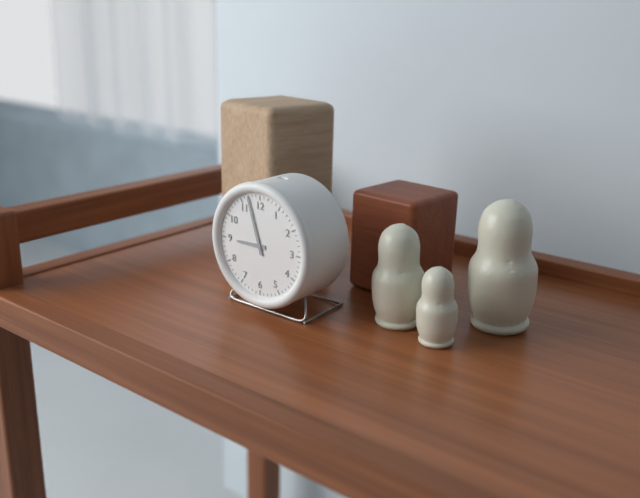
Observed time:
h=8 m=57
